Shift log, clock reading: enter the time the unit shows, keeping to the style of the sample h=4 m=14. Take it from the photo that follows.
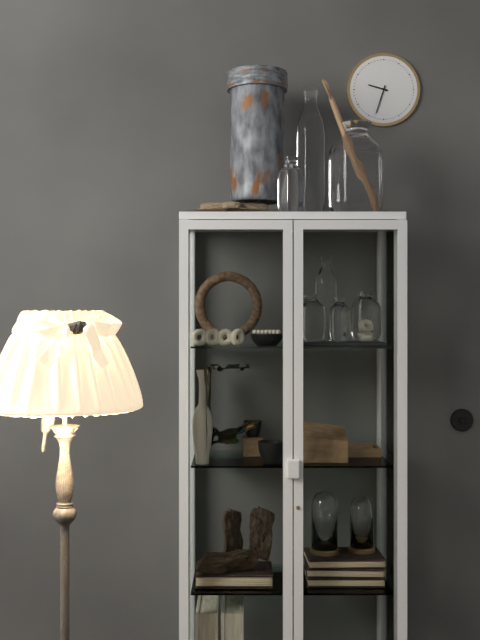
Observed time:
h=9 m=33
